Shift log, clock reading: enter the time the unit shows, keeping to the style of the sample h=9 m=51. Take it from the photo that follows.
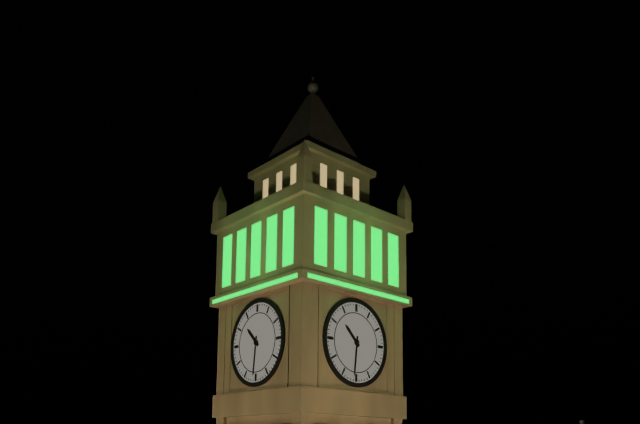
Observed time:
h=10 m=31
